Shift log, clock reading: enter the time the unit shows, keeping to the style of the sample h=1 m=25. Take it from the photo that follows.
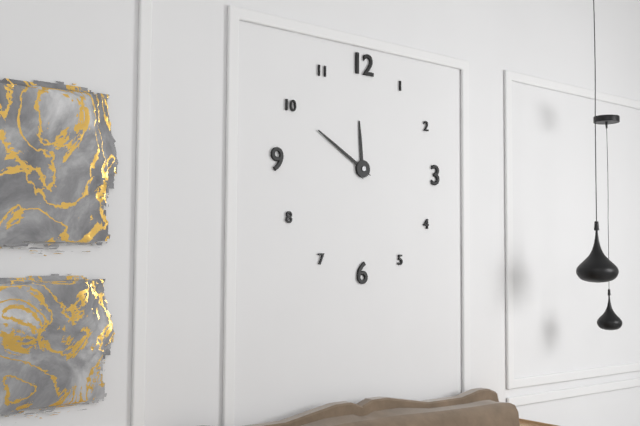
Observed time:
h=11 m=50
